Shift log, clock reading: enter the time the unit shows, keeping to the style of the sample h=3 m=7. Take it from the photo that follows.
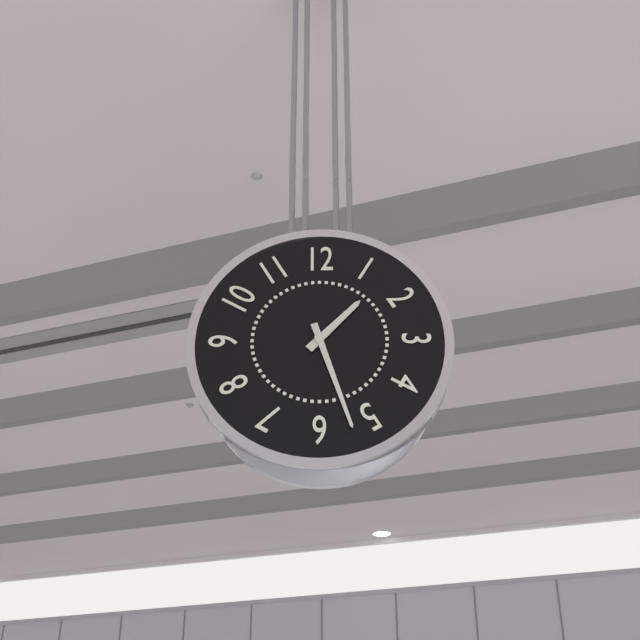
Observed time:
h=1 m=27
